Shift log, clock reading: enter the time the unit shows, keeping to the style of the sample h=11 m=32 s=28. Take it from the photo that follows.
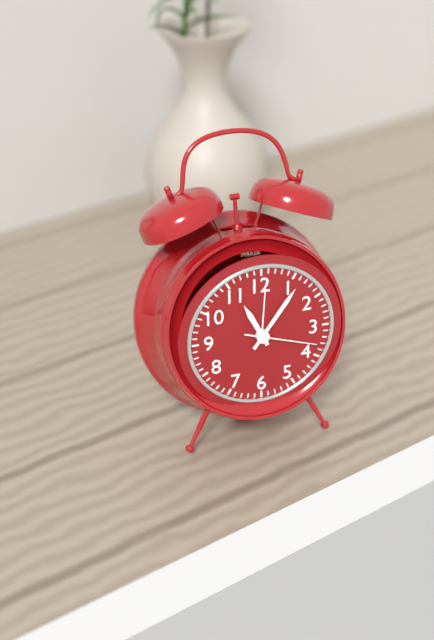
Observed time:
h=11 m=6 s=18
